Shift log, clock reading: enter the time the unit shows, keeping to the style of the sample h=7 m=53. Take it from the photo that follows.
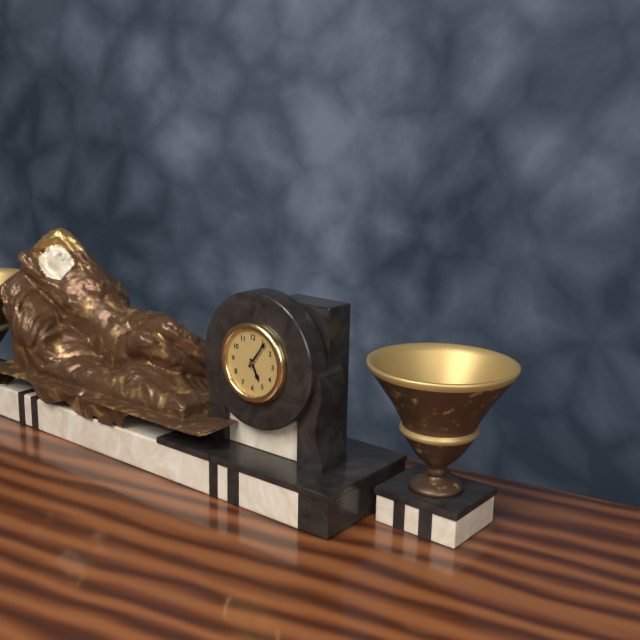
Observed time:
h=5 m=6
